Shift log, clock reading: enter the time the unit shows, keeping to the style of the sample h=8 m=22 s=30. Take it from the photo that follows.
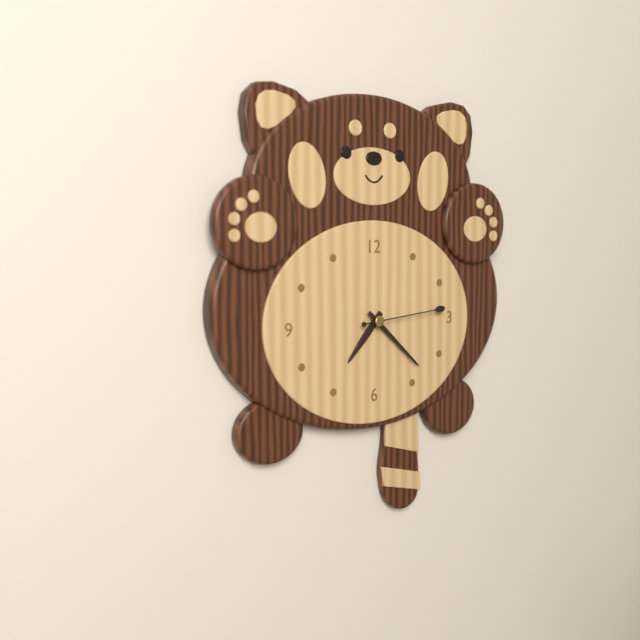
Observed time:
h=7 m=22 s=14
